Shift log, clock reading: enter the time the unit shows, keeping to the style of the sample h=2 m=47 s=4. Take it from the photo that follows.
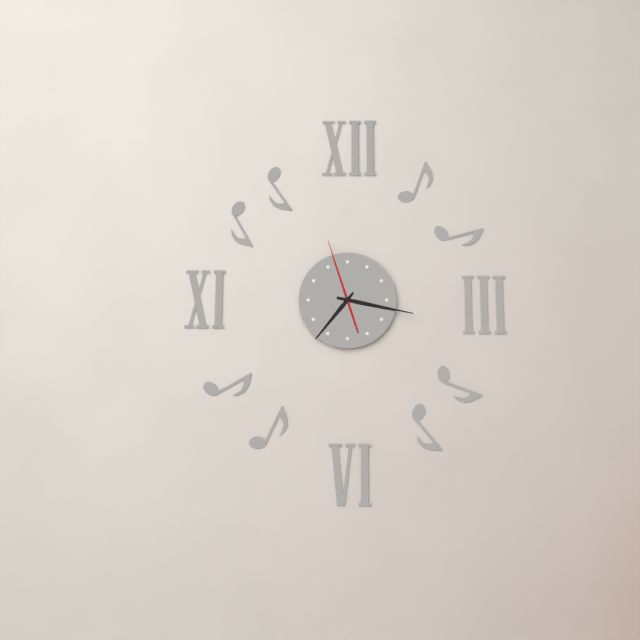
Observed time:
h=7 m=17 s=57
